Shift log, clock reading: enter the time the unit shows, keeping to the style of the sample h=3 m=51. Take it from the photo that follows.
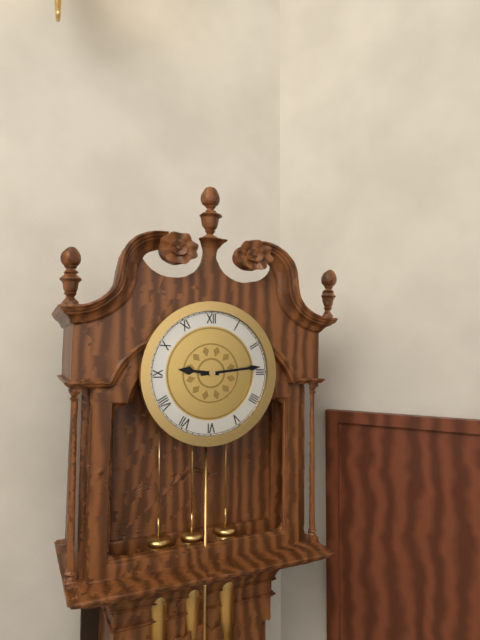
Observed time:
h=9 m=14
